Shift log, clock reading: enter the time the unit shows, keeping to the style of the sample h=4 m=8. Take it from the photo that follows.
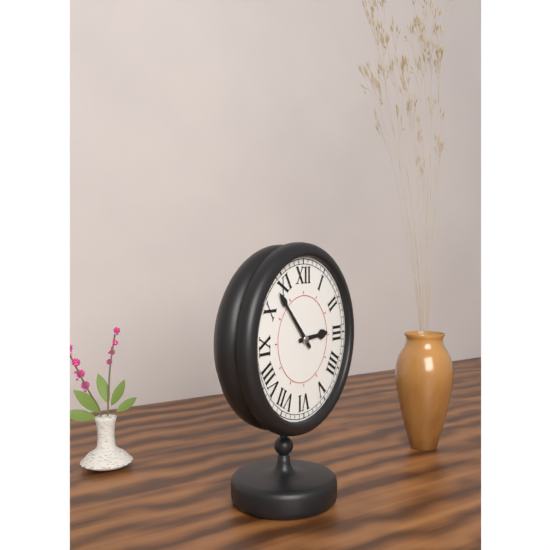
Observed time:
h=2 m=53
